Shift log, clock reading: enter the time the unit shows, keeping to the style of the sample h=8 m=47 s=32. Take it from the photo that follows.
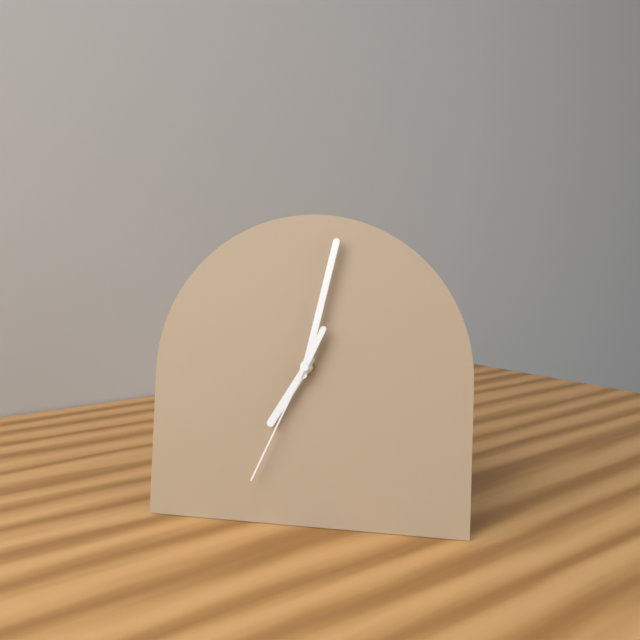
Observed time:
h=7 m=2 s=34
